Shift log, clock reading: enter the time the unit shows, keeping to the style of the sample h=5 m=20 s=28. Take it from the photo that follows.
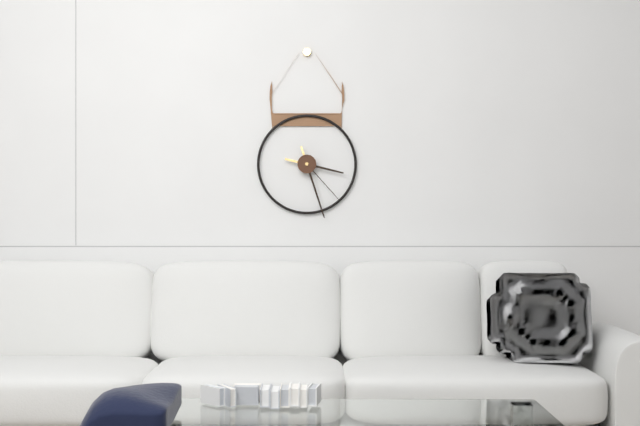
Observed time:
h=3 m=27 s=23
